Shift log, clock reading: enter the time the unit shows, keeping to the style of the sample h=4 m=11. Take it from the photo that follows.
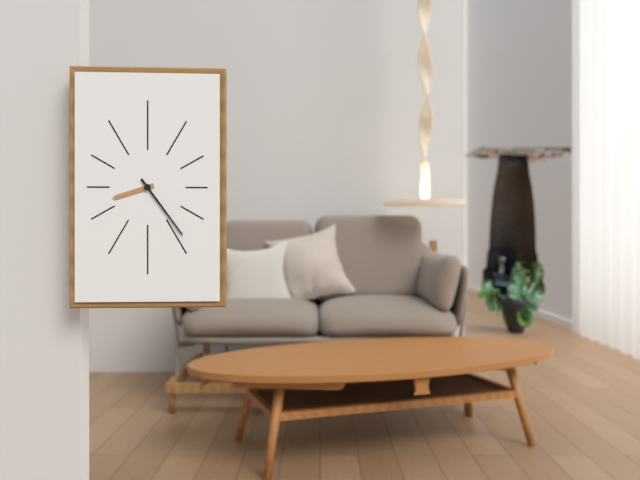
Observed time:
h=8 m=24
